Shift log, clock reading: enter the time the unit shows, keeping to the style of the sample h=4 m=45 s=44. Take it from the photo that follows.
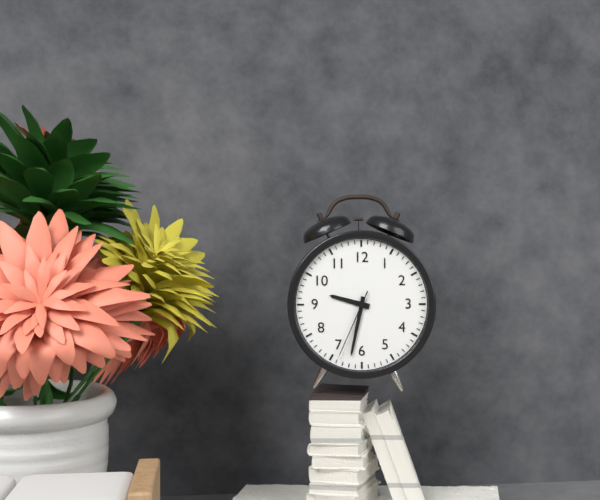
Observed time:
h=9 m=32 s=34
